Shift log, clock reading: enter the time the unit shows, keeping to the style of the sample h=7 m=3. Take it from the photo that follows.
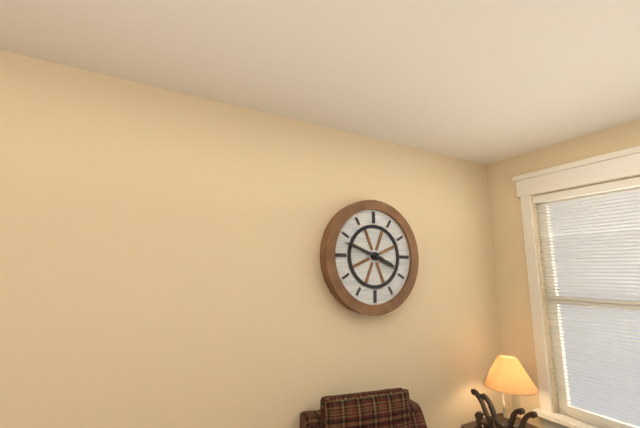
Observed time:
h=3 m=48
